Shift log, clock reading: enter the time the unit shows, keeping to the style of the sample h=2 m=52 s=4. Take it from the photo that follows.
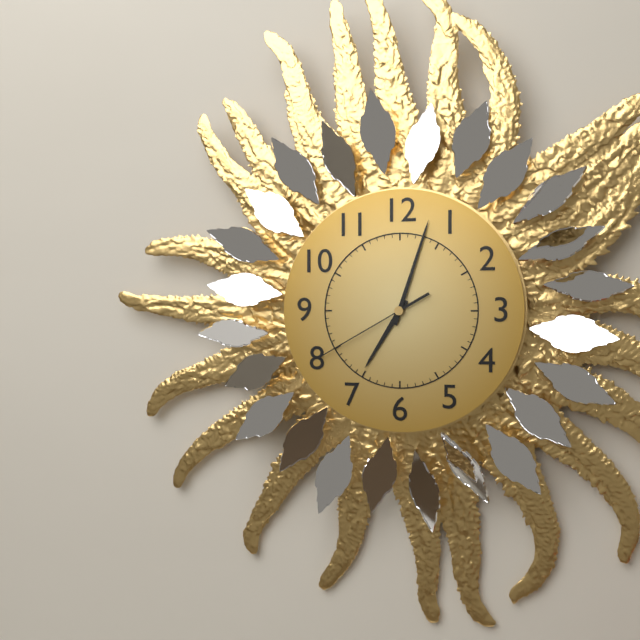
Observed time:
h=7 m=3 s=40
